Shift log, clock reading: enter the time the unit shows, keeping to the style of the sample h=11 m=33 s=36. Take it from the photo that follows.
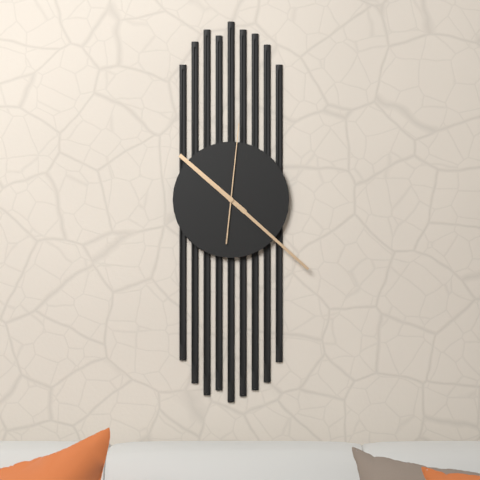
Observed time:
h=10 m=22 s=1
